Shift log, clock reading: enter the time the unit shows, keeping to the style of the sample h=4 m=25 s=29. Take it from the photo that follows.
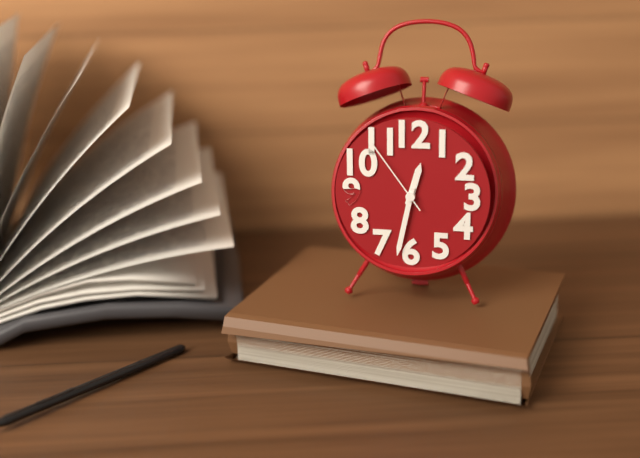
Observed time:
h=12 m=32 s=54
